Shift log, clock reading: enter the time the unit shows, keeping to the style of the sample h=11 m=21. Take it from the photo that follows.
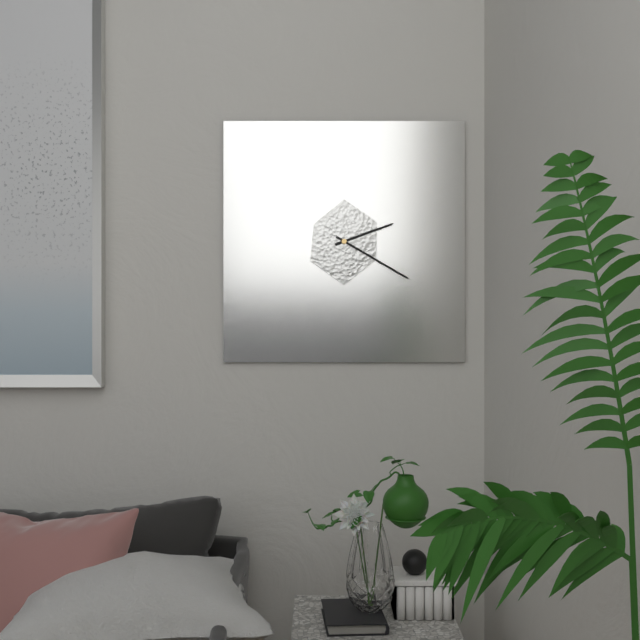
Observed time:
h=2 m=20
